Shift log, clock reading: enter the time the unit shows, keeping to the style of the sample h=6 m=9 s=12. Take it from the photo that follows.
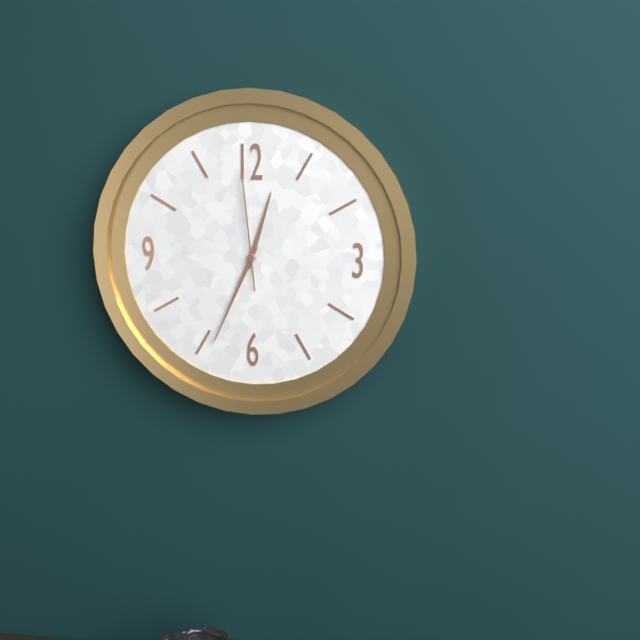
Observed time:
h=12 m=34 s=59
